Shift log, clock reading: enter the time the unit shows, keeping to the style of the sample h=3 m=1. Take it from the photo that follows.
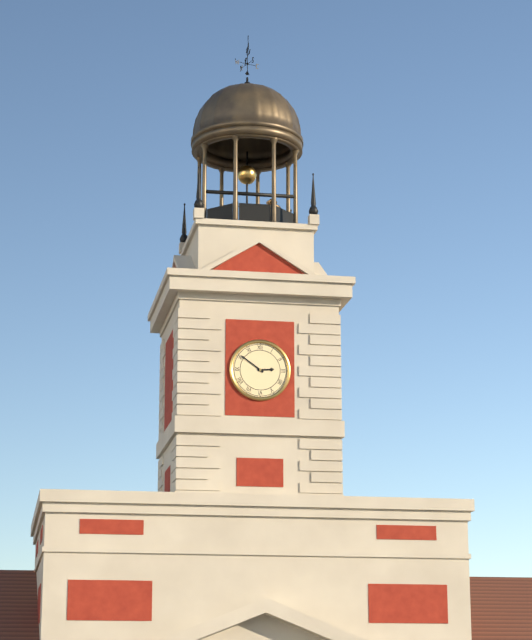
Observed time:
h=2 m=51
